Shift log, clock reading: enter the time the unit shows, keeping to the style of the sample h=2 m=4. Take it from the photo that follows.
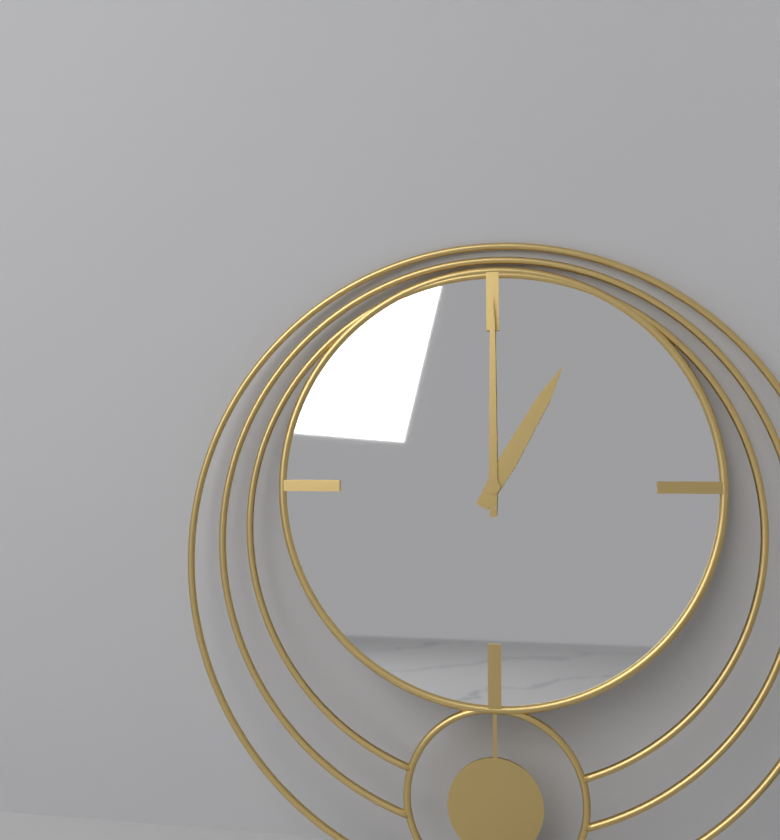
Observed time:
h=1 m=0
